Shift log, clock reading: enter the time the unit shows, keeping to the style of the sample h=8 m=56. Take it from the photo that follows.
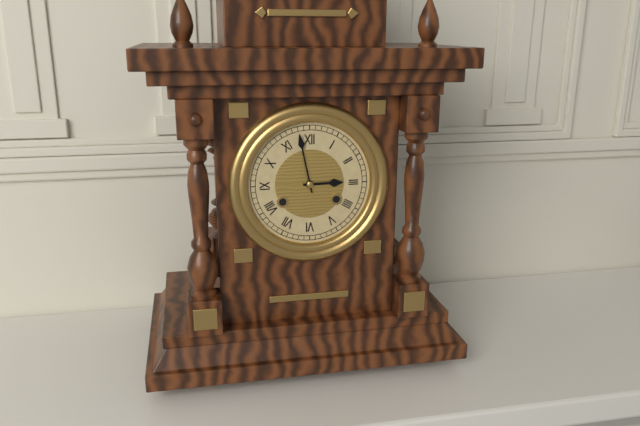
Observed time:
h=2 m=58
